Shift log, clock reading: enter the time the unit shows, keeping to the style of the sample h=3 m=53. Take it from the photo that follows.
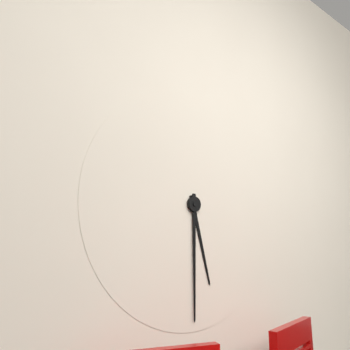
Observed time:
h=5 m=30
